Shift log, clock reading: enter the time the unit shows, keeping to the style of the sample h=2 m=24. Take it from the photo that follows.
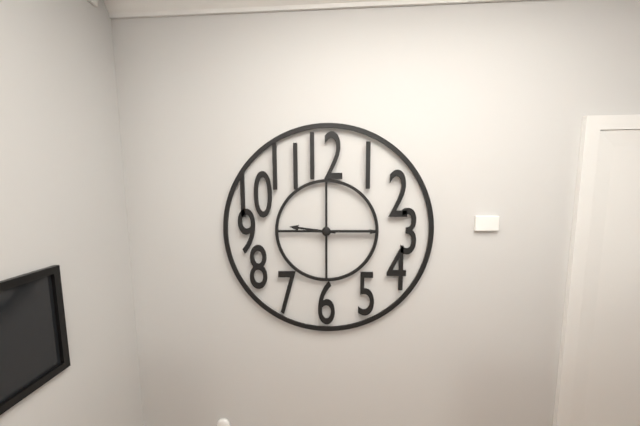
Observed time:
h=9 m=15
